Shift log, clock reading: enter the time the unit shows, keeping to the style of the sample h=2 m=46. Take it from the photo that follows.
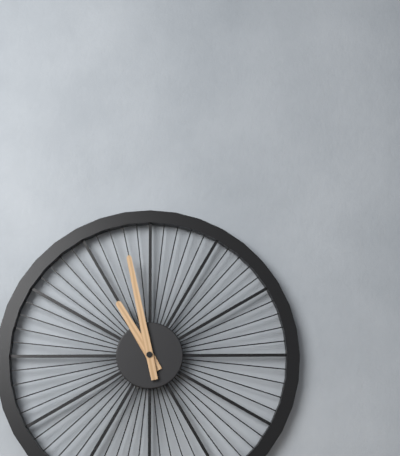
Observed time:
h=10 m=58
